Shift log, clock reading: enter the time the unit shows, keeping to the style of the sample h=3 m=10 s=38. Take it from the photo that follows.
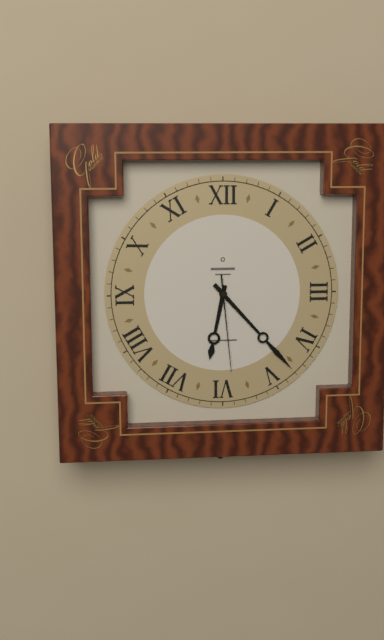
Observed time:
h=6 m=23 s=29
